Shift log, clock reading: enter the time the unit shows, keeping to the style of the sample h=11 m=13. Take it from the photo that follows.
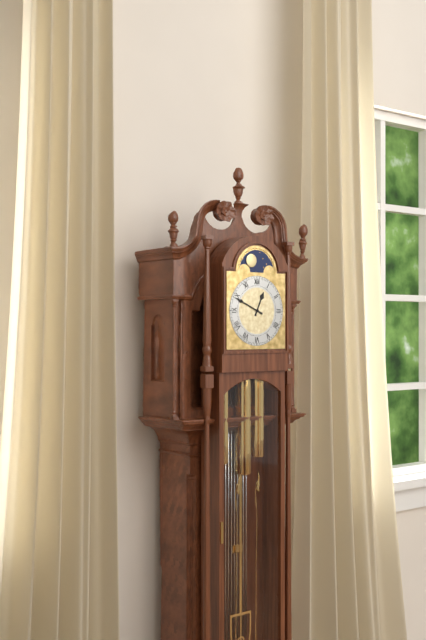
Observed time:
h=12 m=49
